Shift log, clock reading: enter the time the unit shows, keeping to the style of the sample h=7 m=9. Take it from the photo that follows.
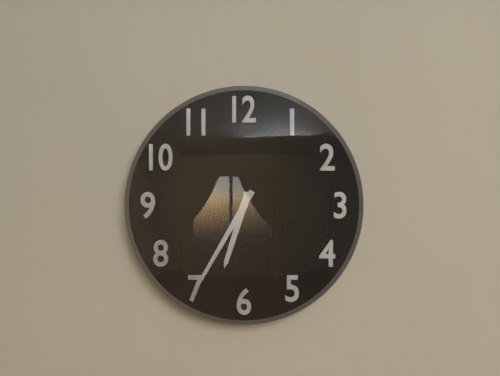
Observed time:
h=6 m=35
